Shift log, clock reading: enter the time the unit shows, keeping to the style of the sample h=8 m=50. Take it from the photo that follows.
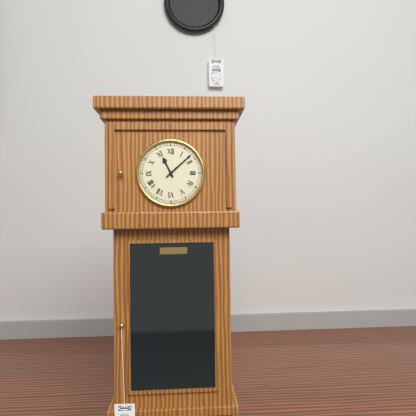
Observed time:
h=11 m=8
